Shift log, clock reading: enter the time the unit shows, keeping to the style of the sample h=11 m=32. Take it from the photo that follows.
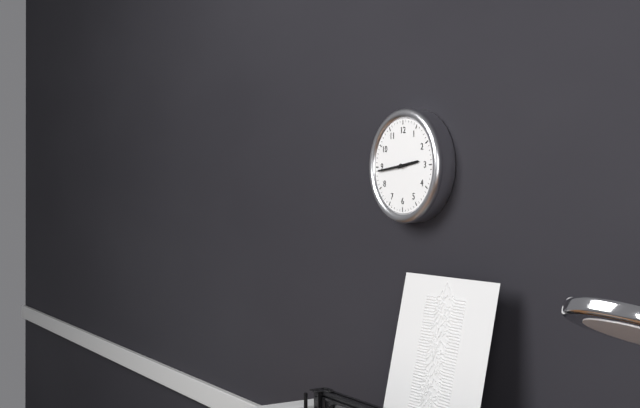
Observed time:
h=2 m=44
